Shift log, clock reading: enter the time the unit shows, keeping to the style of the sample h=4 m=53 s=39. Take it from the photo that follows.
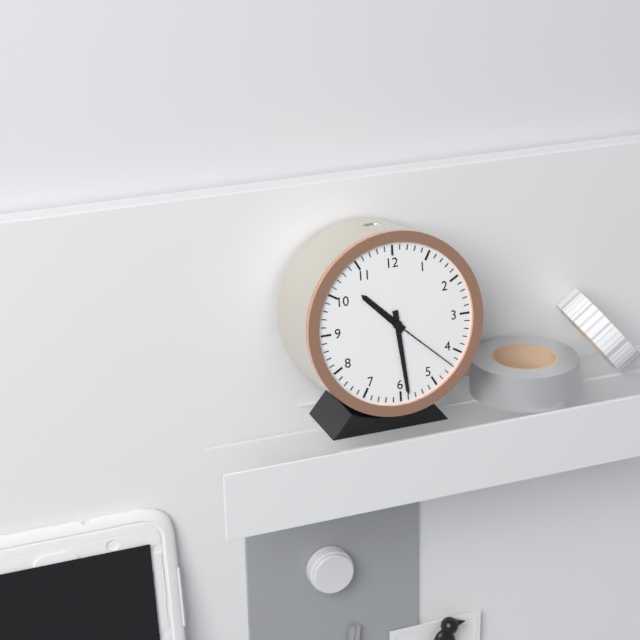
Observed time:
h=10 m=29 s=22
